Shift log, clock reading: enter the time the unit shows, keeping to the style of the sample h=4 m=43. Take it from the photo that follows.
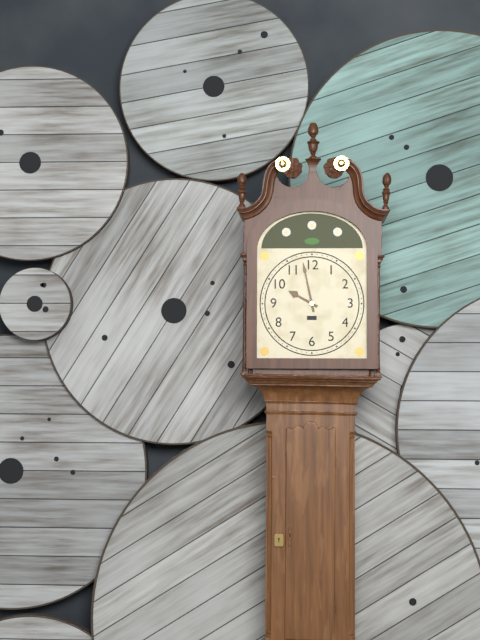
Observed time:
h=9 m=58
